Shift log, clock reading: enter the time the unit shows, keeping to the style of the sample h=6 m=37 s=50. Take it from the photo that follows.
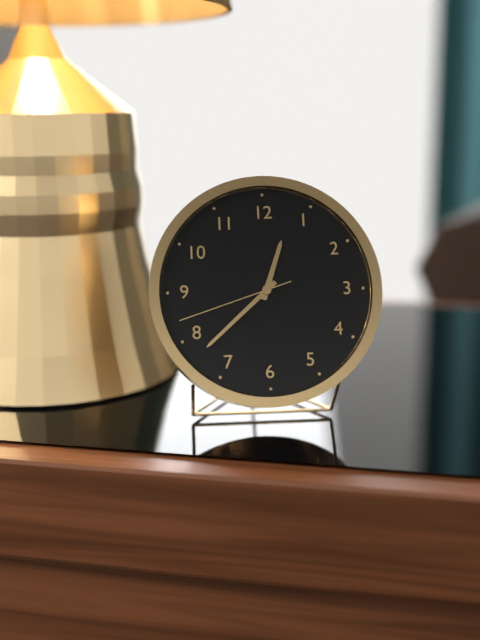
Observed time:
h=12 m=38 s=42
